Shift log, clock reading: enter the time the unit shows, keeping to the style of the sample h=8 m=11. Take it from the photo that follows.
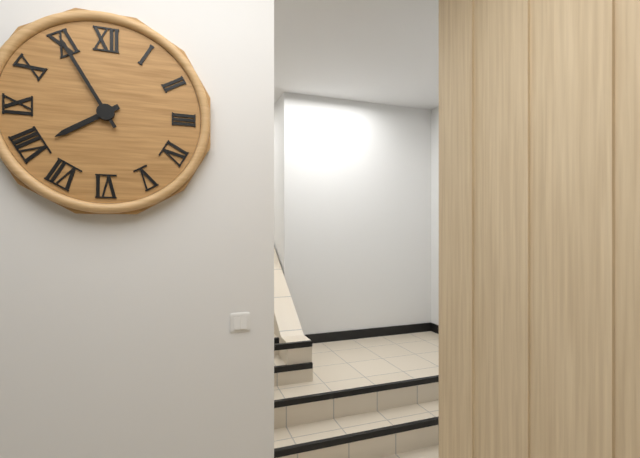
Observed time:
h=7 m=55
